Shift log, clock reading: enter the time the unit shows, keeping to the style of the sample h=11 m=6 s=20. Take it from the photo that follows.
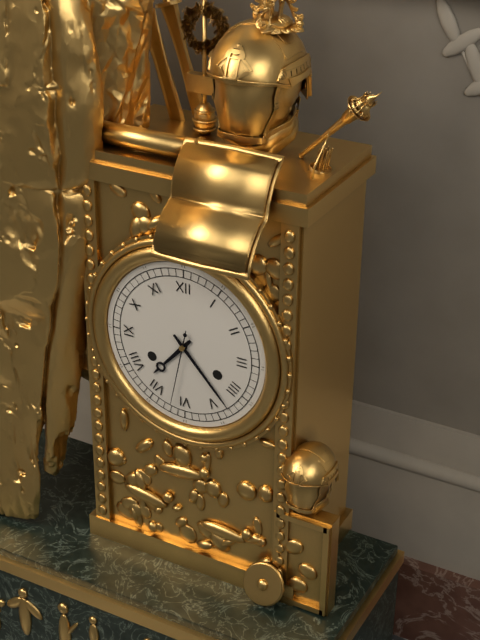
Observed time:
h=7 m=23 s=32
